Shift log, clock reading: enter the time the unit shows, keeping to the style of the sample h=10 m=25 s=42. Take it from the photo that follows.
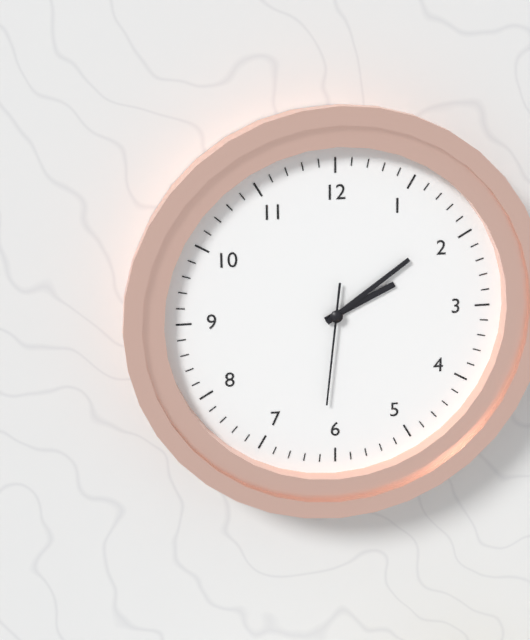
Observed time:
h=2 m=9 s=31
